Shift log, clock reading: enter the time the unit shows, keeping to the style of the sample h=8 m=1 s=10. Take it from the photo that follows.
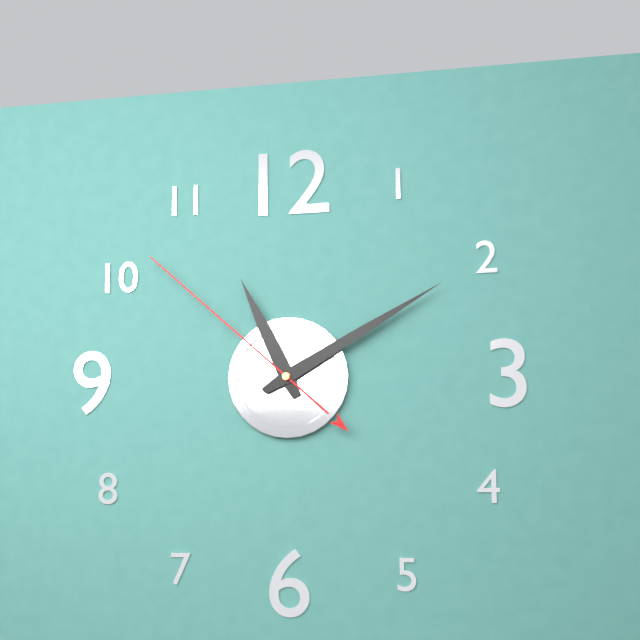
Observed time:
h=11 m=10 s=52
